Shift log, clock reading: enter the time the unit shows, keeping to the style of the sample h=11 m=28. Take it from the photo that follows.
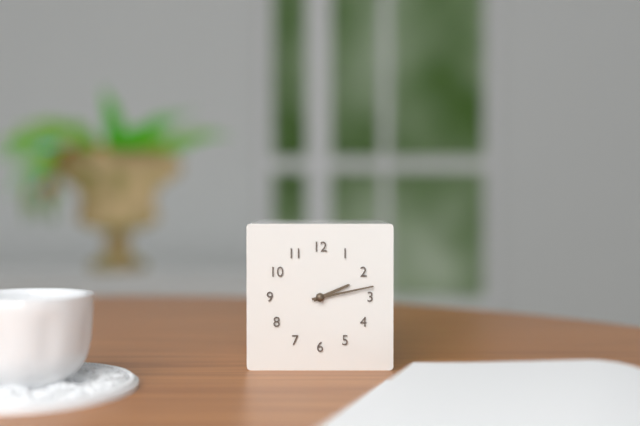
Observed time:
h=2 m=13
